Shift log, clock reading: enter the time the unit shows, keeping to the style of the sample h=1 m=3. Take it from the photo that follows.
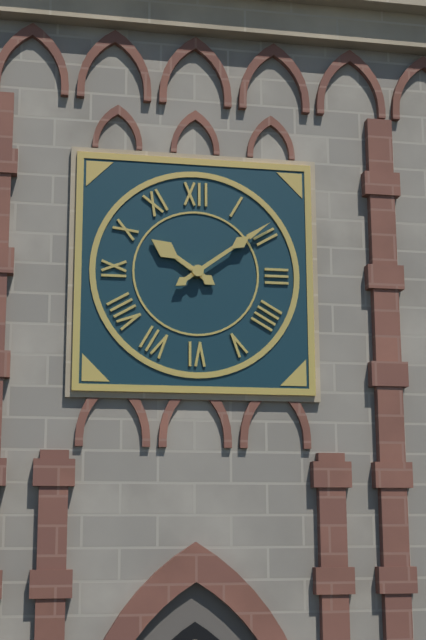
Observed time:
h=10 m=9
